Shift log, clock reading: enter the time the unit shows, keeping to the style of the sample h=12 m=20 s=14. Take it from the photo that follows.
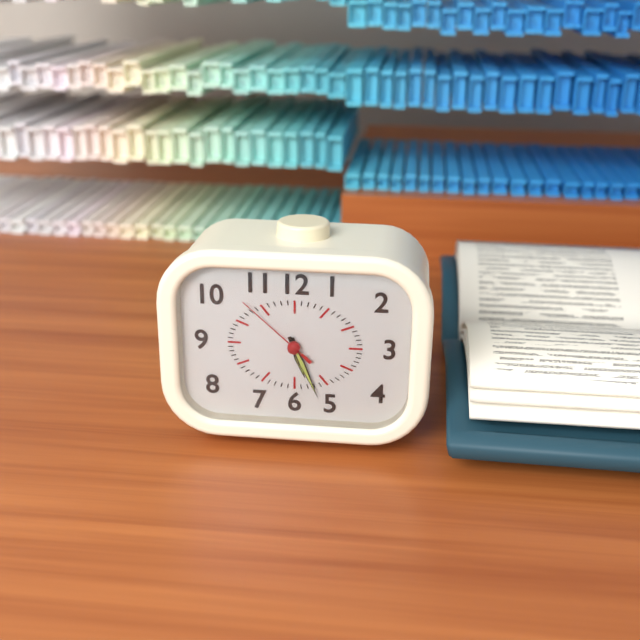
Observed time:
h=5 m=26 s=52
